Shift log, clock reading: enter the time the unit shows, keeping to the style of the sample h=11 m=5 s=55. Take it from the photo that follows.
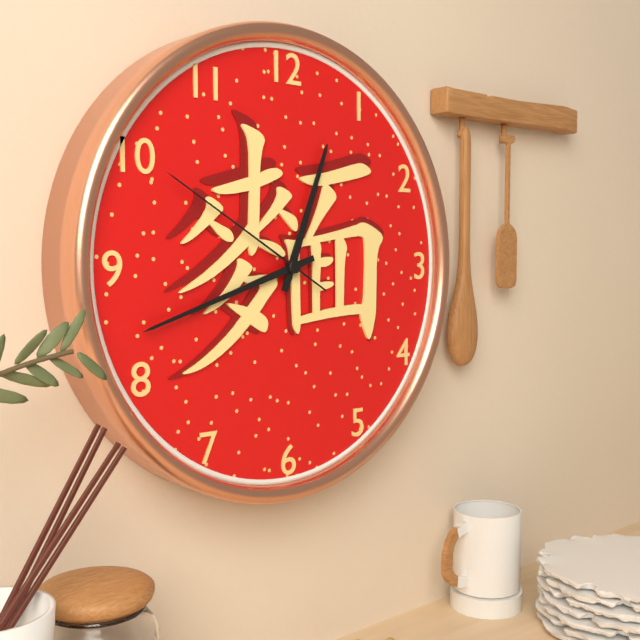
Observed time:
h=12 m=42 s=50
